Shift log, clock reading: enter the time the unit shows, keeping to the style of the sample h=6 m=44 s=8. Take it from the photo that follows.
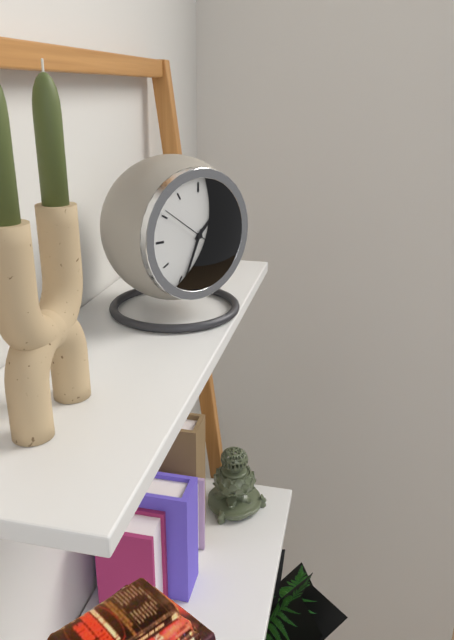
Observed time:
h=1 m=34 s=51
